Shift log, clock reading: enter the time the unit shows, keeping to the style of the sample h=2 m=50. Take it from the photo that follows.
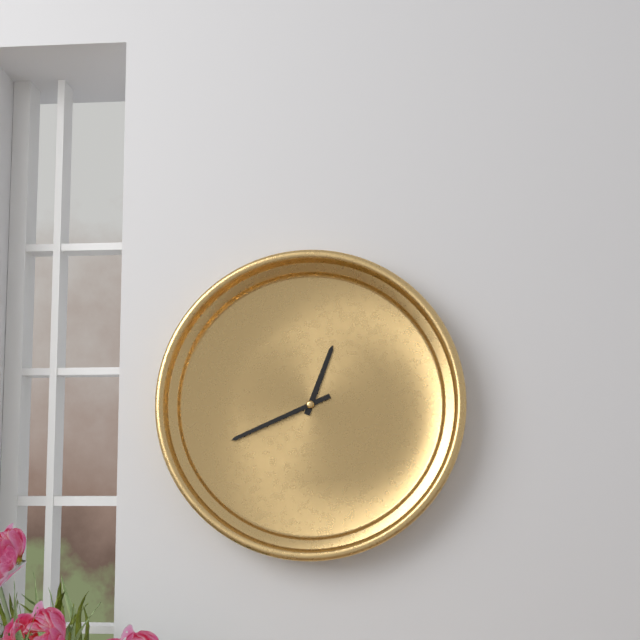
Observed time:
h=12 m=41
